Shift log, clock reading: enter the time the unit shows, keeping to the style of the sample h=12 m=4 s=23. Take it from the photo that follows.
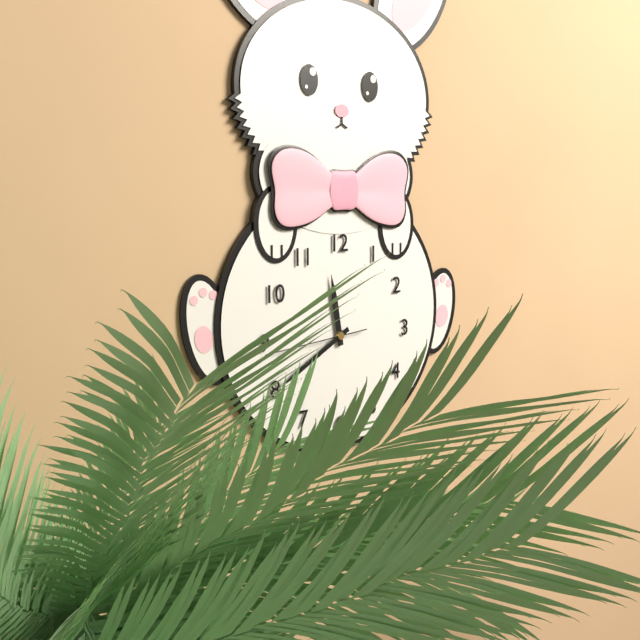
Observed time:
h=11 m=40 s=44
